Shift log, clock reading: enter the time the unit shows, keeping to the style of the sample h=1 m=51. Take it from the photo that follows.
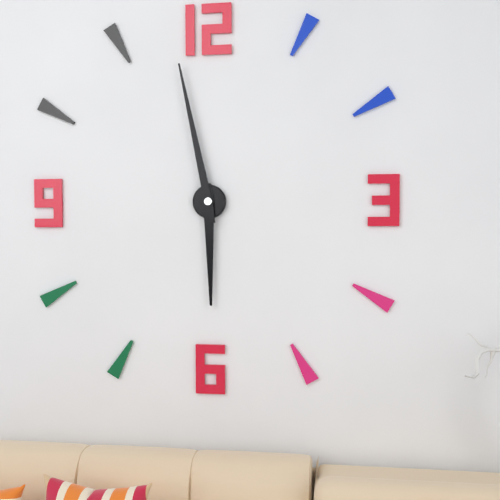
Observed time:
h=5 m=58
